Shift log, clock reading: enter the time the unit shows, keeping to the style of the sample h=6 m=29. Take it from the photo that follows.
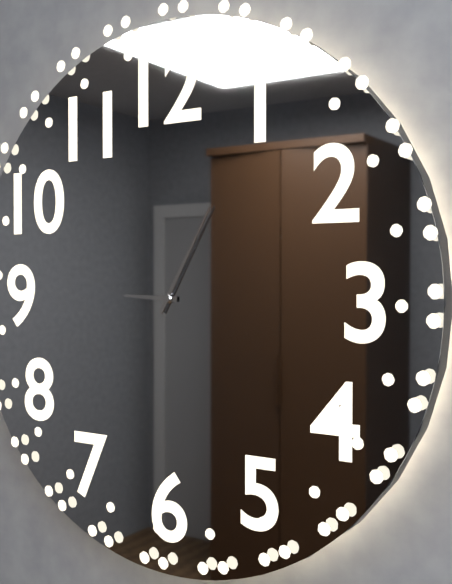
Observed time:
h=9 m=5
